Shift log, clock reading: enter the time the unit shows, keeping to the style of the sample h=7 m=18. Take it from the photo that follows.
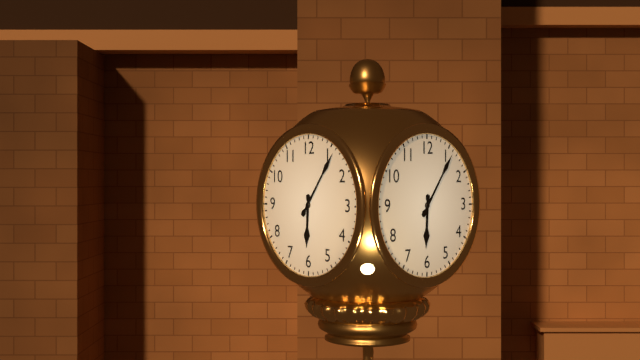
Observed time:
h=6 m=6
